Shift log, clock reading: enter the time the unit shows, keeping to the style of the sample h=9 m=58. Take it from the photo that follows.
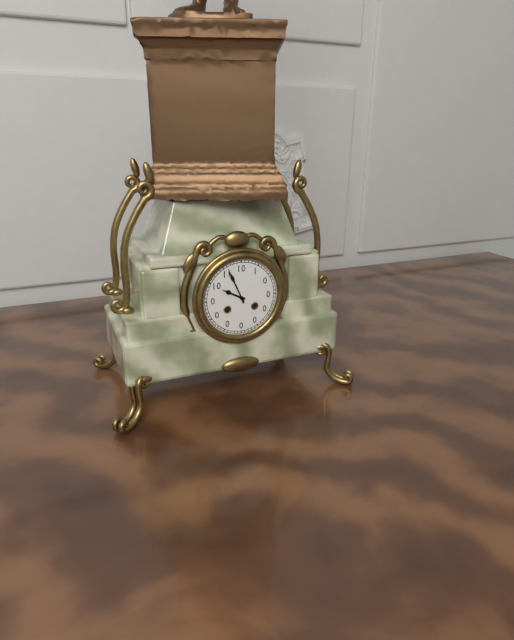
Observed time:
h=9 m=56
